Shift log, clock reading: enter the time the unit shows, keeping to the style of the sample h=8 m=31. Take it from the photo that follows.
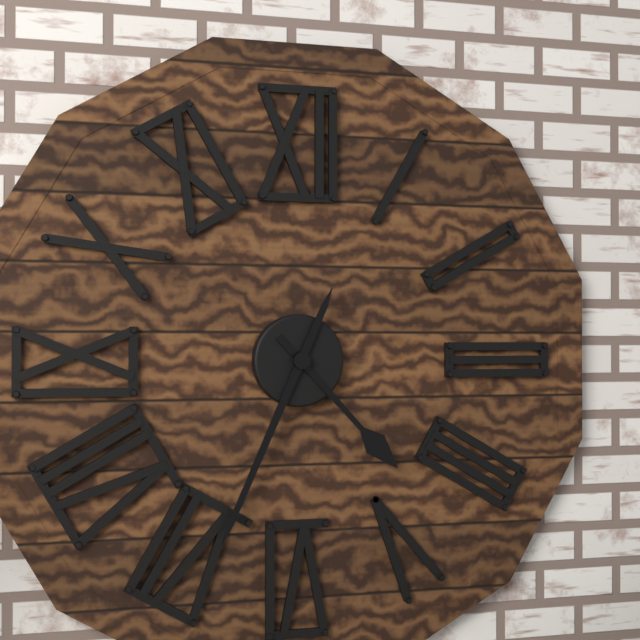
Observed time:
h=4 m=34
